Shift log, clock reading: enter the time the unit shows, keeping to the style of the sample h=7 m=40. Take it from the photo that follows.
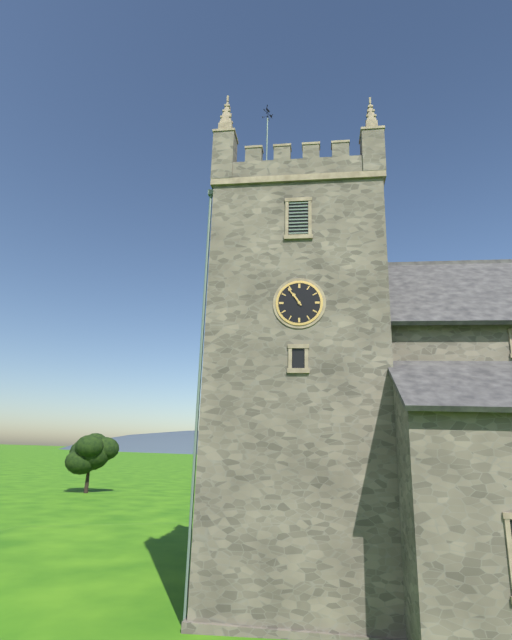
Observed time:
h=10 m=54
